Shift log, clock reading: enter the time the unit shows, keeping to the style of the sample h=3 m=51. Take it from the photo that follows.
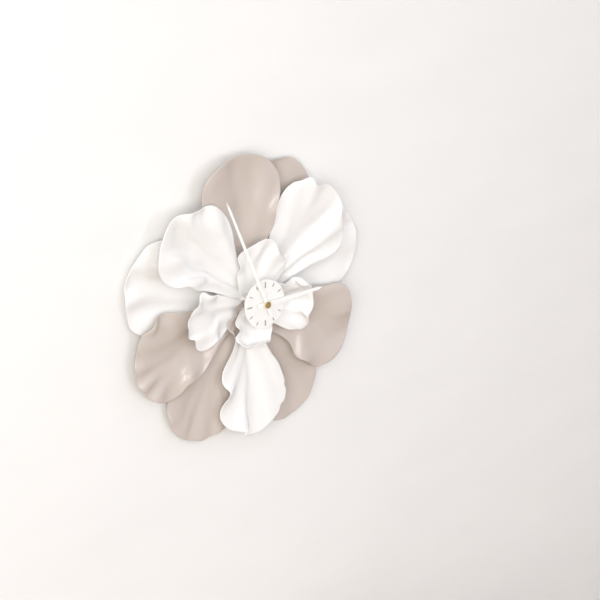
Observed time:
h=2 m=56
